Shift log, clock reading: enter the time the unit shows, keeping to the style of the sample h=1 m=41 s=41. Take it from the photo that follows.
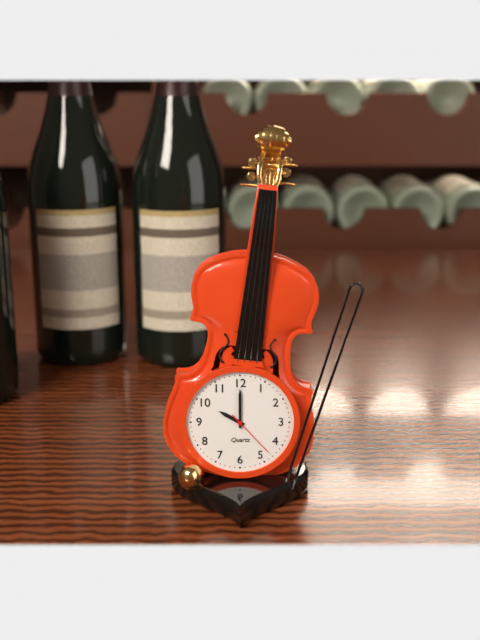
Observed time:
h=10 m=0 s=23
